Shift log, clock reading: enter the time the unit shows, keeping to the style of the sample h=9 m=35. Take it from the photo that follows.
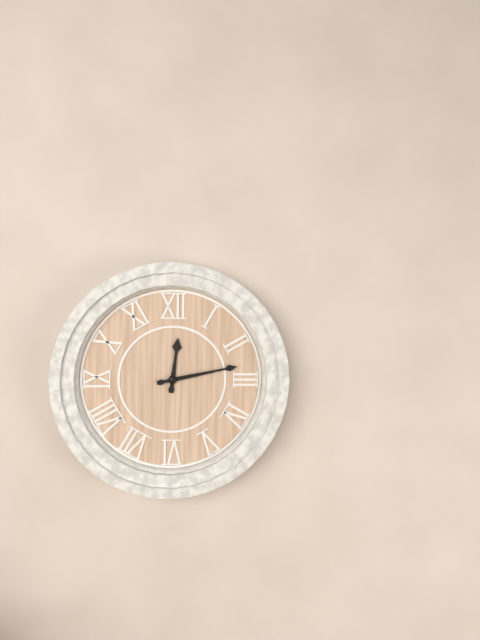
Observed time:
h=12 m=13
